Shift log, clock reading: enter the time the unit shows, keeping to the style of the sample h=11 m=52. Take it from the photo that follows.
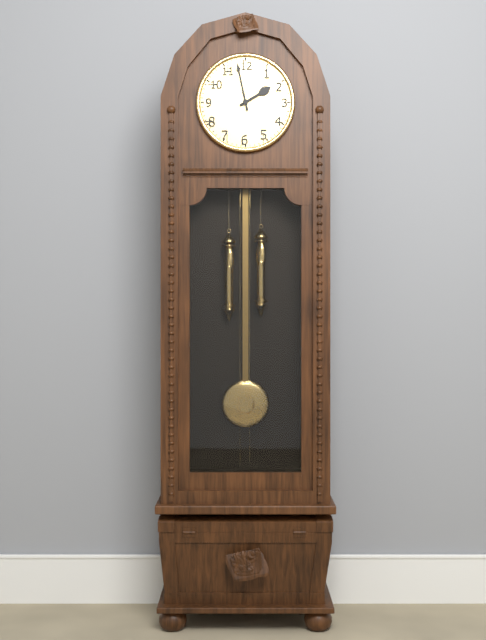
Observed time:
h=1 m=58
